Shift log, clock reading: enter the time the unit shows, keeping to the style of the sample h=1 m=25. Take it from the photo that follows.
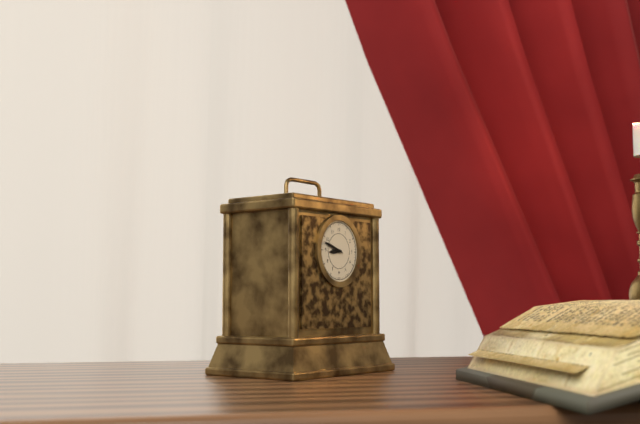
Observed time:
h=8 m=48
